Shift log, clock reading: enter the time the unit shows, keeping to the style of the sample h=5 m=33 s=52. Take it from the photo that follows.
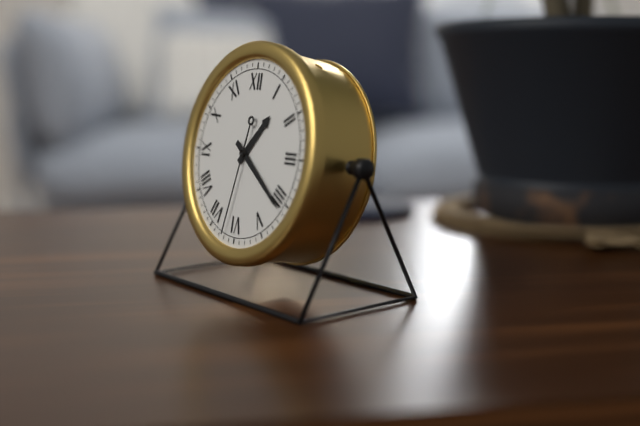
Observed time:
h=1 m=21 s=32
